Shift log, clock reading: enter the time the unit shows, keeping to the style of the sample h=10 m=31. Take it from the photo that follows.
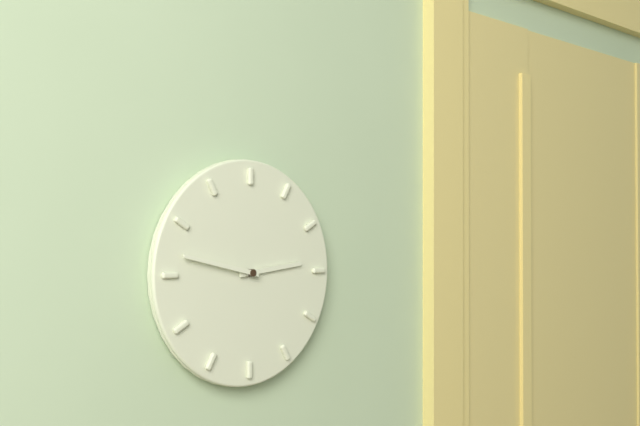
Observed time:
h=2 m=47
